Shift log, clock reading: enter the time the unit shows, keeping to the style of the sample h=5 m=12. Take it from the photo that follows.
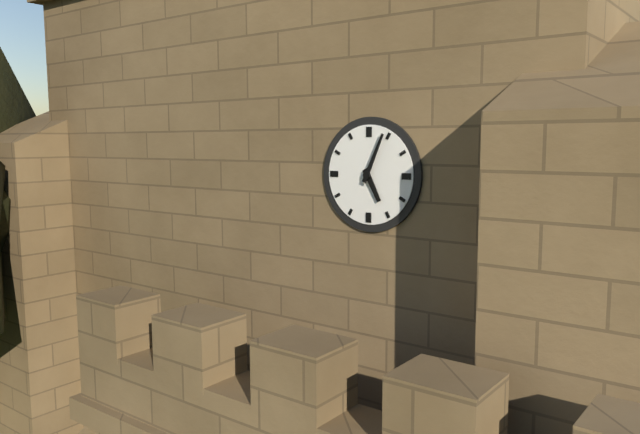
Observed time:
h=5 m=4
